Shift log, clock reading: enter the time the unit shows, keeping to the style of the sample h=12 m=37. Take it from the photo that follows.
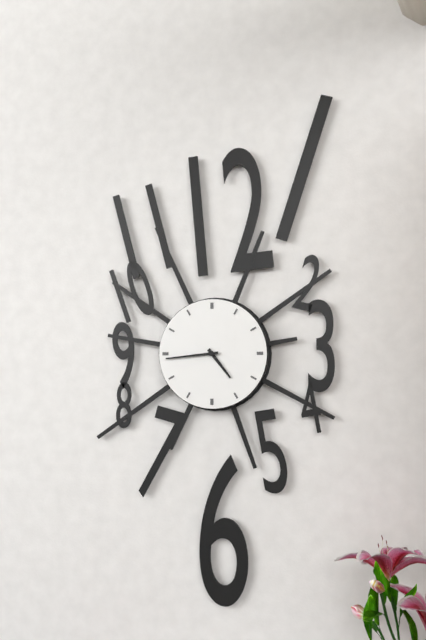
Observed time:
h=4 m=44
